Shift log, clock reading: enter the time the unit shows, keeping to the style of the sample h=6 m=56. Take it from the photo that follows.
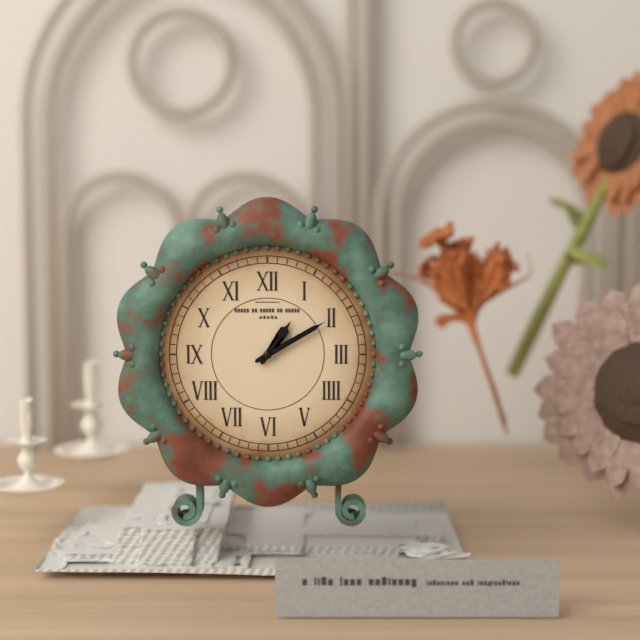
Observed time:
h=1 m=10
